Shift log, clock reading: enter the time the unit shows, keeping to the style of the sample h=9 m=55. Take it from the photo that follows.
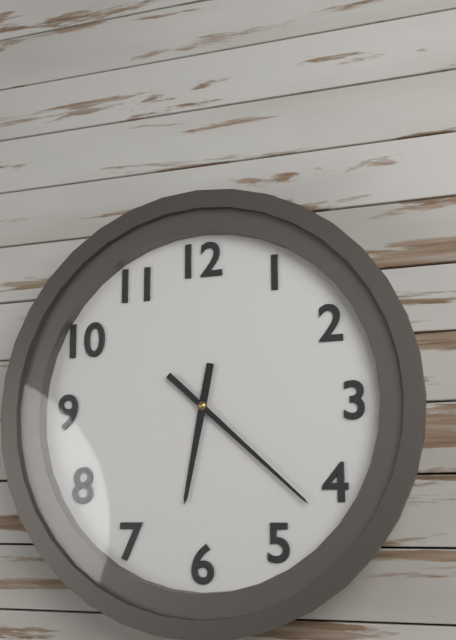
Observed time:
h=6 m=22
